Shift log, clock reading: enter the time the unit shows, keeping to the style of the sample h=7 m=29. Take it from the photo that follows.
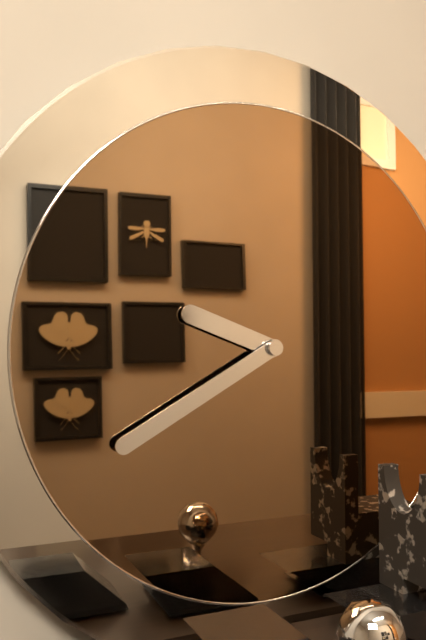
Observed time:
h=9 m=40
